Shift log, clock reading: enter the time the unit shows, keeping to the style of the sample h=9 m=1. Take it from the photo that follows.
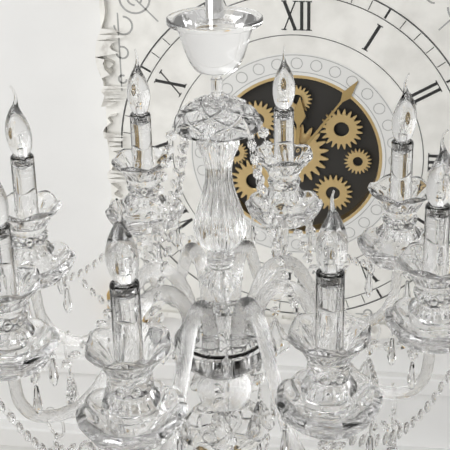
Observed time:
h=12 m=6
